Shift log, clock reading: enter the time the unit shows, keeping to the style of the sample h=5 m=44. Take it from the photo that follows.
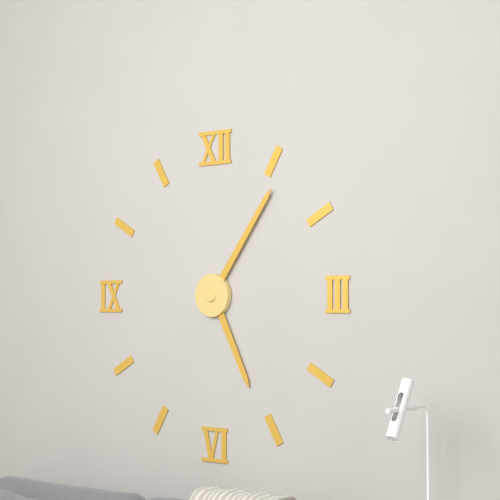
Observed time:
h=5 m=6
